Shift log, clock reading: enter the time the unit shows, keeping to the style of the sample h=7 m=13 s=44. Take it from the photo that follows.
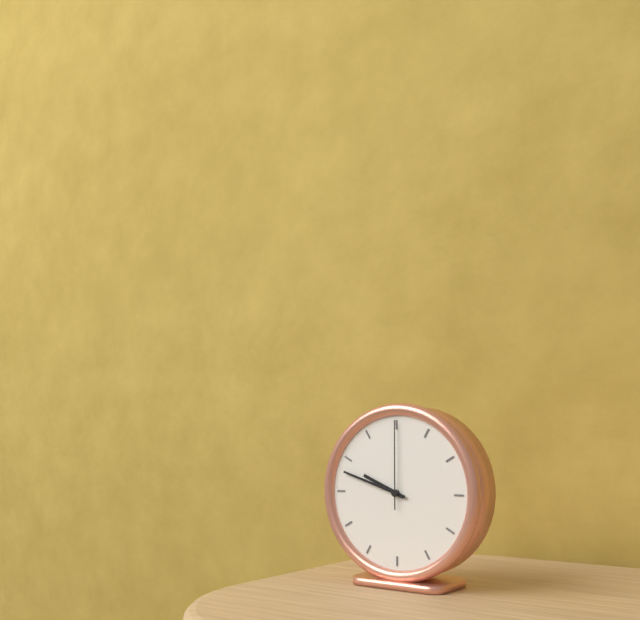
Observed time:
h=9 m=48 s=0
